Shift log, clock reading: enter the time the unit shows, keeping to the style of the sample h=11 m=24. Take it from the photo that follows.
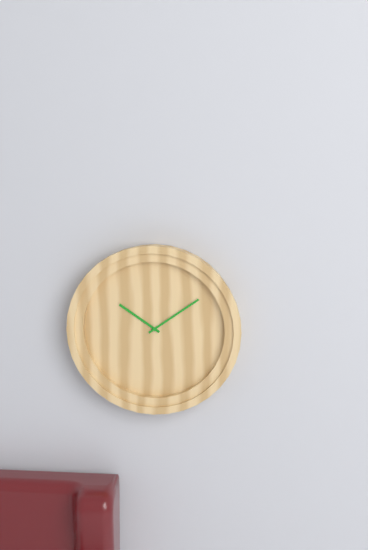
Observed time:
h=10 m=9
